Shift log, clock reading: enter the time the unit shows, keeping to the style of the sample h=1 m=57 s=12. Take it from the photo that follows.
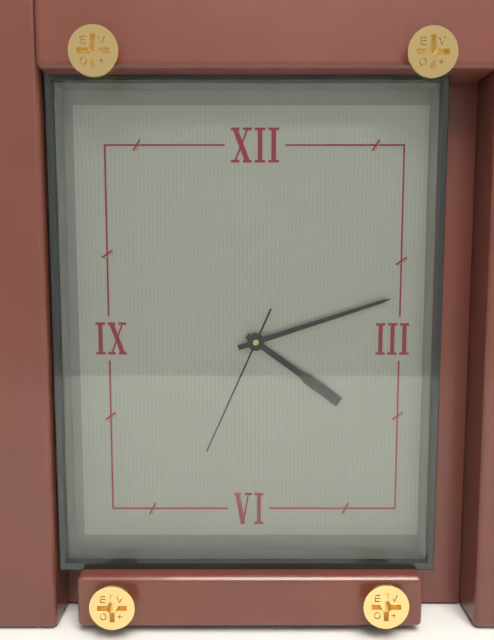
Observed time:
h=4 m=12 s=34
